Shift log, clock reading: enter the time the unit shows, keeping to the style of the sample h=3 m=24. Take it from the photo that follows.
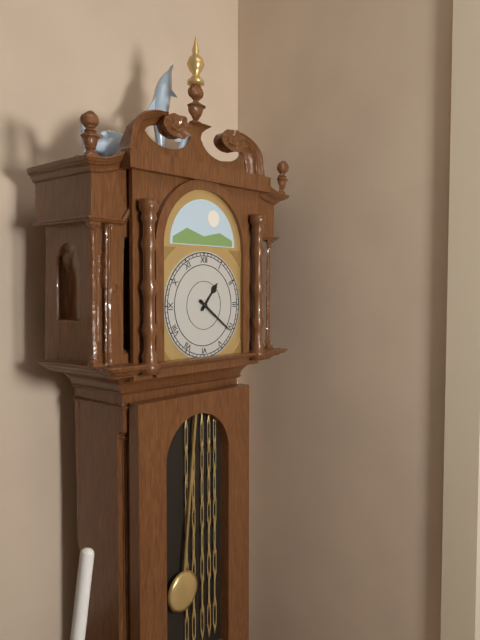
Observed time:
h=1 m=21
